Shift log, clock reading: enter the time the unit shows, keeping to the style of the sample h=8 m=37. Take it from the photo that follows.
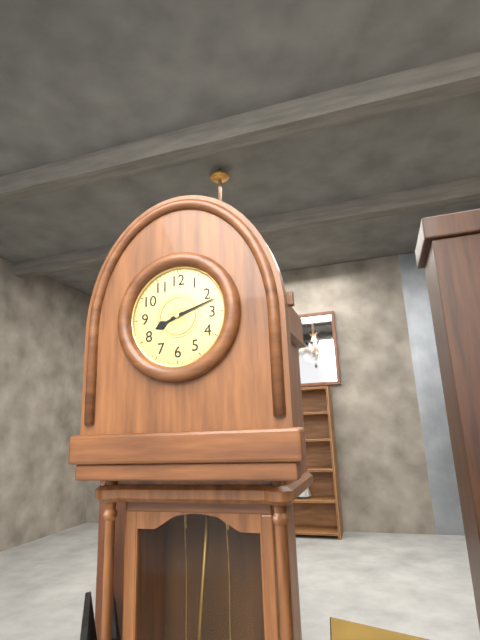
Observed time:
h=8 m=12
